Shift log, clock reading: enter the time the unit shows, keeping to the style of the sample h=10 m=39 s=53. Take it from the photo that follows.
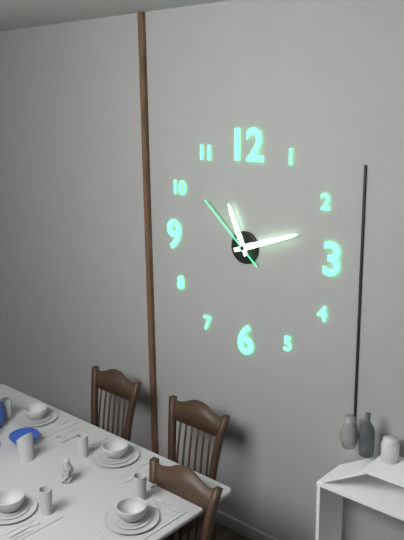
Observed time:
h=11 m=12 s=52
